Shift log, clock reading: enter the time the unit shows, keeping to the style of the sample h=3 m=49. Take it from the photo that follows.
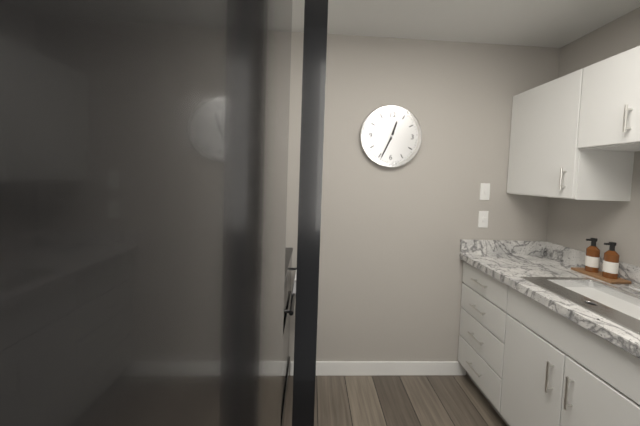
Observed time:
h=12 m=34
